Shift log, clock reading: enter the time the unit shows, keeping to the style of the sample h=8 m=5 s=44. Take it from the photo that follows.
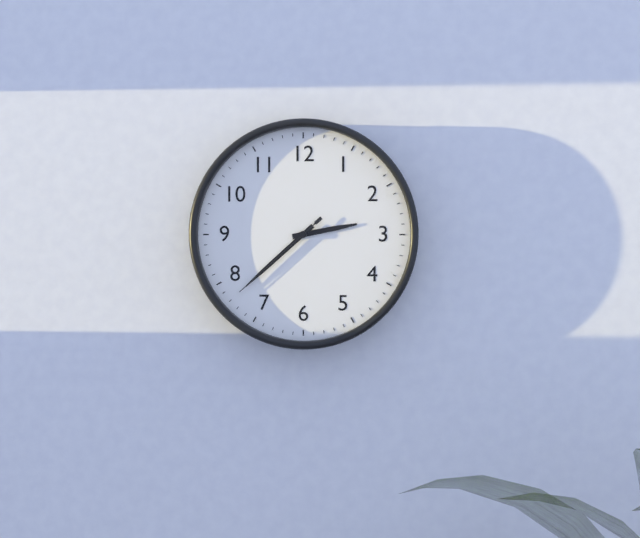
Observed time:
h=2 m=38 s=38
